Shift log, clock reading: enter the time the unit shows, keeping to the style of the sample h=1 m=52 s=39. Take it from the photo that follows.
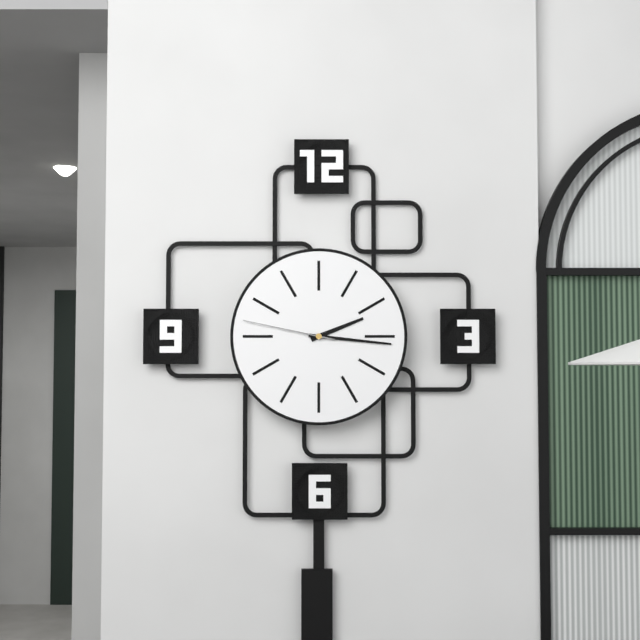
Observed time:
h=2 m=16 s=47
